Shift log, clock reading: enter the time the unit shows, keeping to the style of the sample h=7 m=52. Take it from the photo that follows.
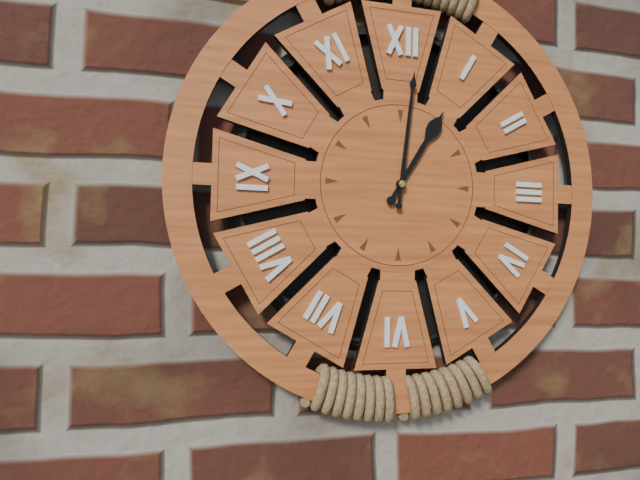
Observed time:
h=1 m=1
